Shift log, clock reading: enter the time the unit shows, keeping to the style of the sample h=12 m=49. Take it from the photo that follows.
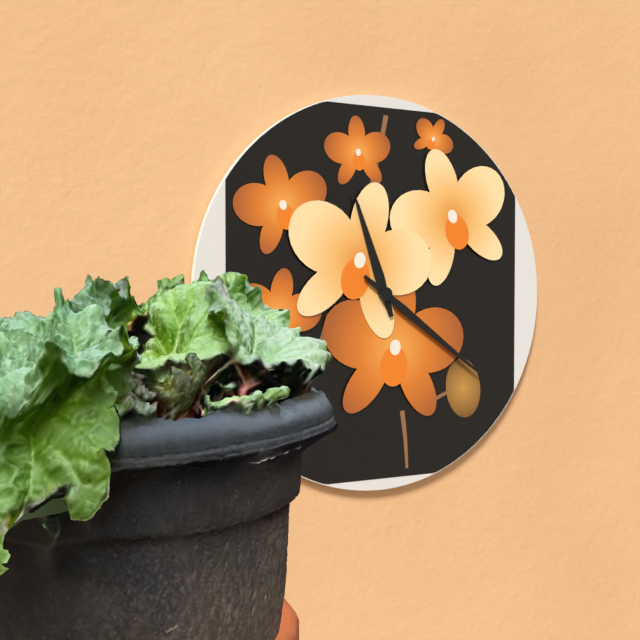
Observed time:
h=11 m=21
